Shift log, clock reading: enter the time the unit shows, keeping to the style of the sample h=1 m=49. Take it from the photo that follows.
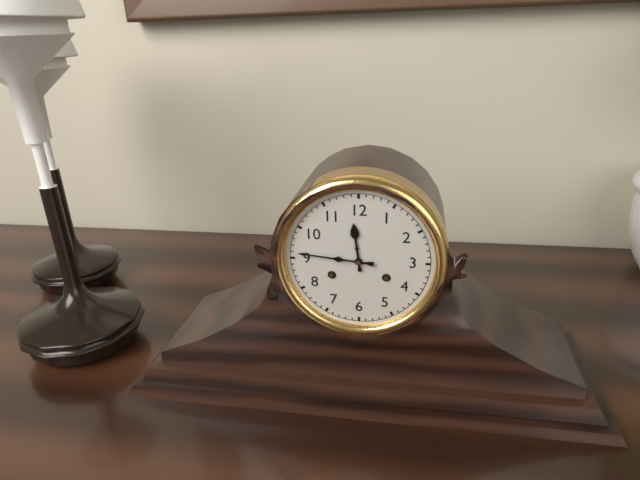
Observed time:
h=11 m=46
